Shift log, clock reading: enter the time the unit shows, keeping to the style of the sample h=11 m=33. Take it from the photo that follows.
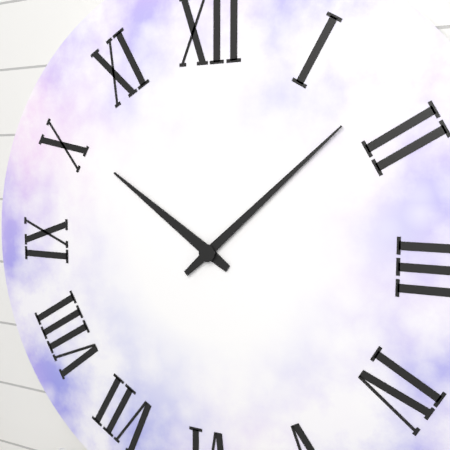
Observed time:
h=10 m=8
